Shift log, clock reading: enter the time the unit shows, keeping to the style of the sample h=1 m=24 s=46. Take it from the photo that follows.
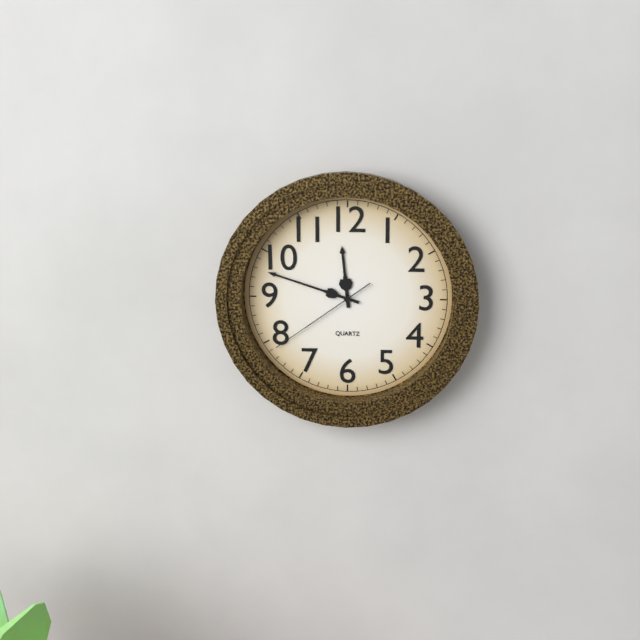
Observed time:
h=11 m=48 s=39
